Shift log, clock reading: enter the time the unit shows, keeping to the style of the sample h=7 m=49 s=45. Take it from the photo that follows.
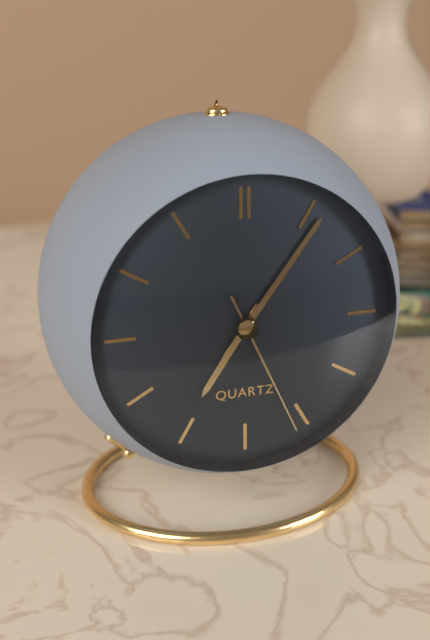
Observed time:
h=7 m=6 s=26
